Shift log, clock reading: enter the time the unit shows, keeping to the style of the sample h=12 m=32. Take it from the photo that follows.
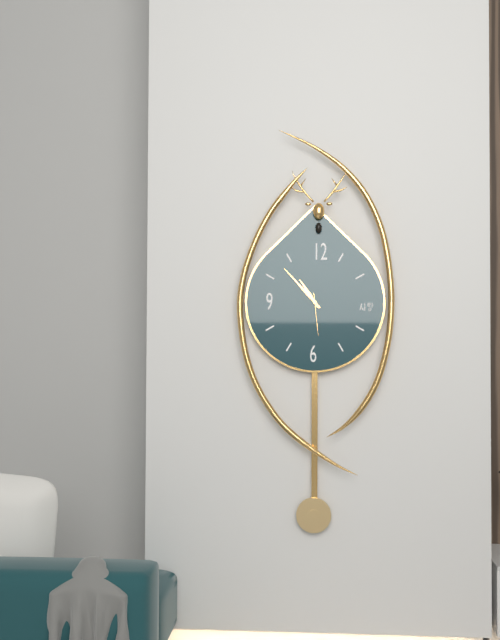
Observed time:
h=10 m=53
